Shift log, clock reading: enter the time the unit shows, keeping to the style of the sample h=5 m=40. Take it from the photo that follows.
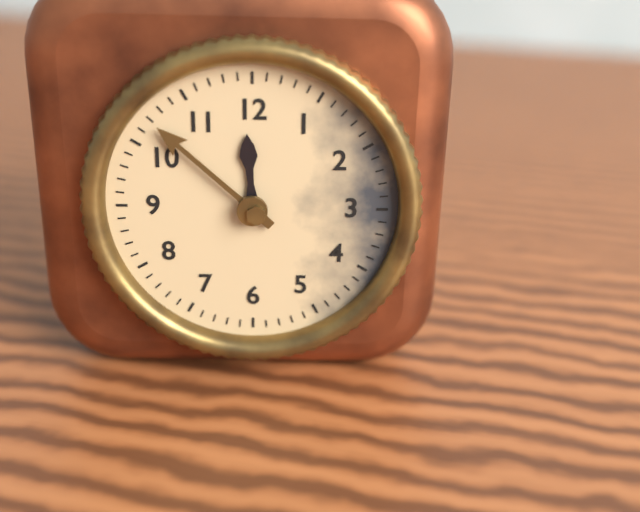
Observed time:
h=11 m=52
